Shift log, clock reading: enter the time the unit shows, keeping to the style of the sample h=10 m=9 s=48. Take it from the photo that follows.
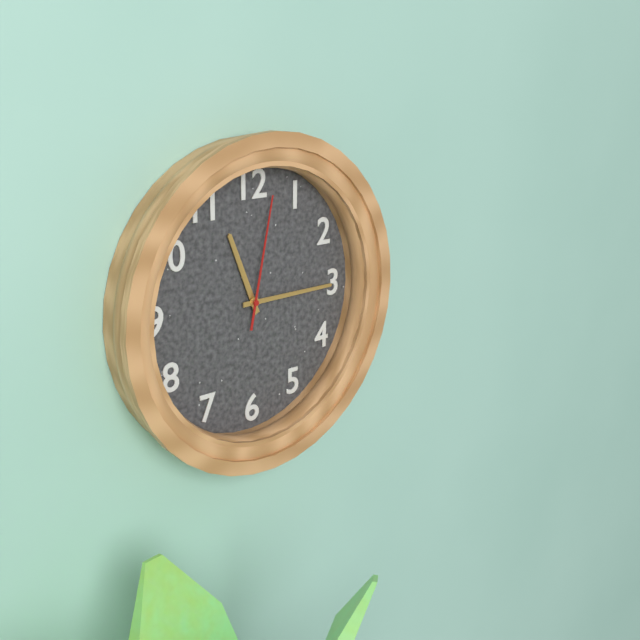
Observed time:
h=11 m=15 s=2
